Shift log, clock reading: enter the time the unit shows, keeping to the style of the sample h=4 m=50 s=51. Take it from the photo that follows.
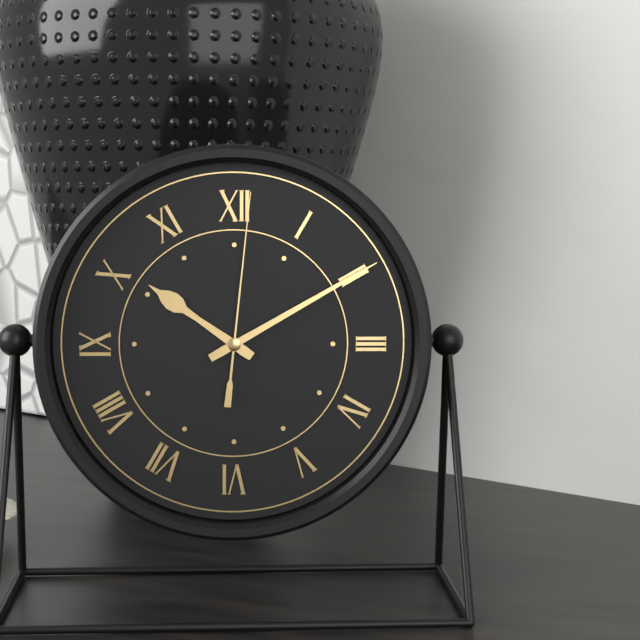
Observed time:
h=10 m=10 s=1
